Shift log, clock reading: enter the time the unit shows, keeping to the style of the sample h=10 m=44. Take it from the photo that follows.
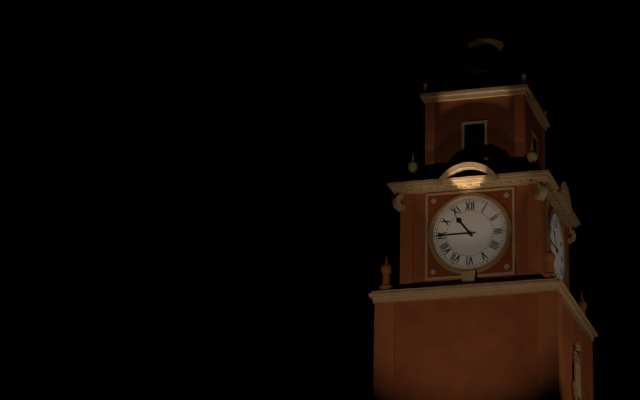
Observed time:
h=10 m=45
